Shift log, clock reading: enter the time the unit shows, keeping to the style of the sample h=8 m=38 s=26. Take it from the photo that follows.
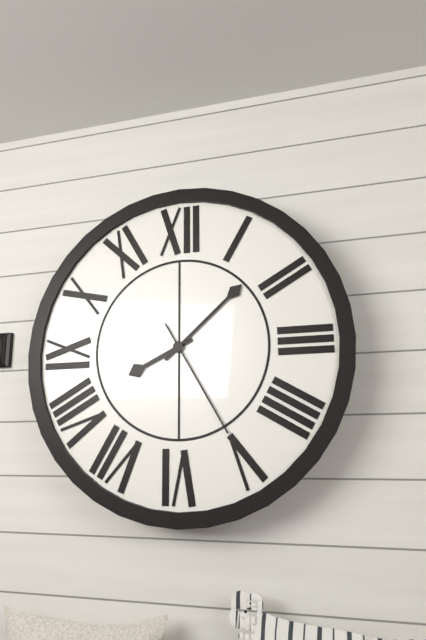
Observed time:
h=8 m=8 s=25
